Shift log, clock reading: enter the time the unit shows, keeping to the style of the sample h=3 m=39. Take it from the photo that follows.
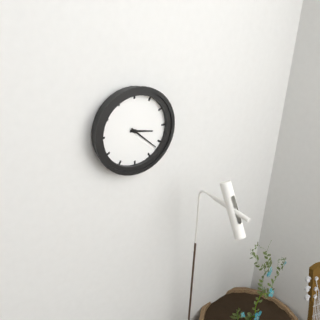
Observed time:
h=3 m=22
